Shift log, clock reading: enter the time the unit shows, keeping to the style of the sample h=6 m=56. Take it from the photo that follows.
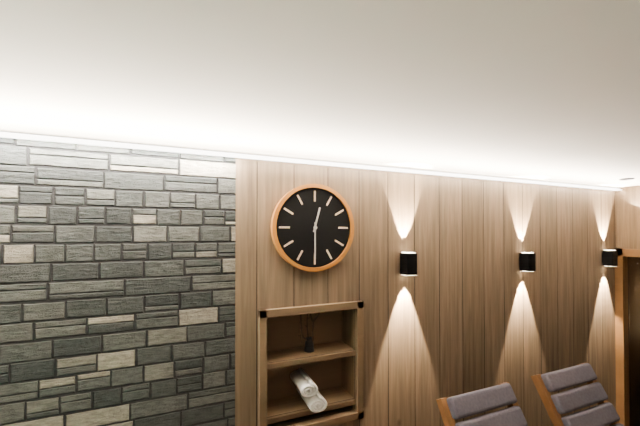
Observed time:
h=12 m=30
